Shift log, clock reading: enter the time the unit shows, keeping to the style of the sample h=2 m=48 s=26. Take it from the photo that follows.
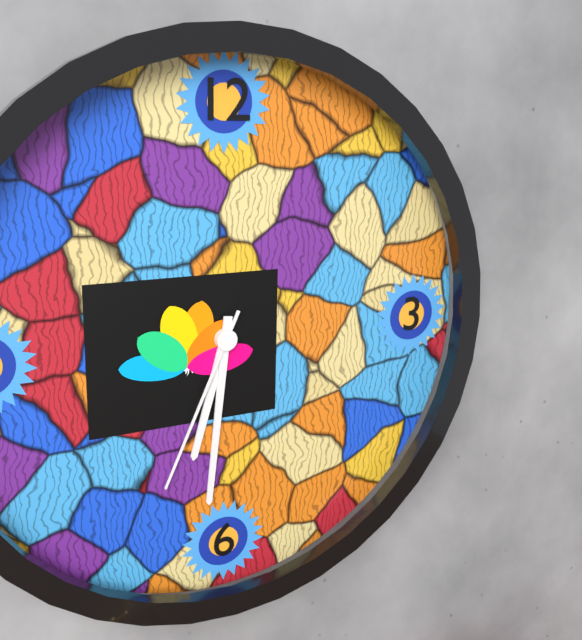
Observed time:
h=6 m=31 s=34
